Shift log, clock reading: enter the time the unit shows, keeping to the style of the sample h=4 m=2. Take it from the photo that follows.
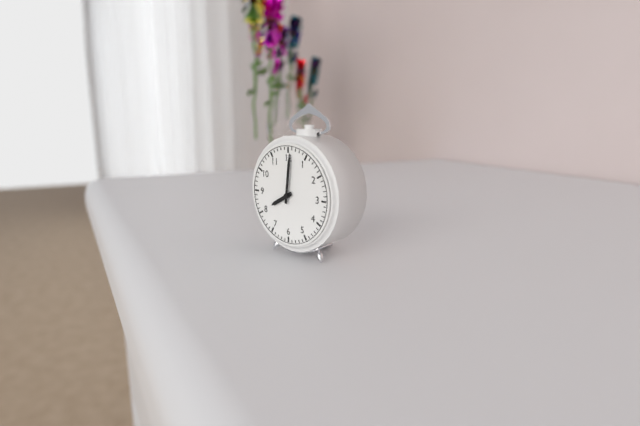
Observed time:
h=8 m=1
